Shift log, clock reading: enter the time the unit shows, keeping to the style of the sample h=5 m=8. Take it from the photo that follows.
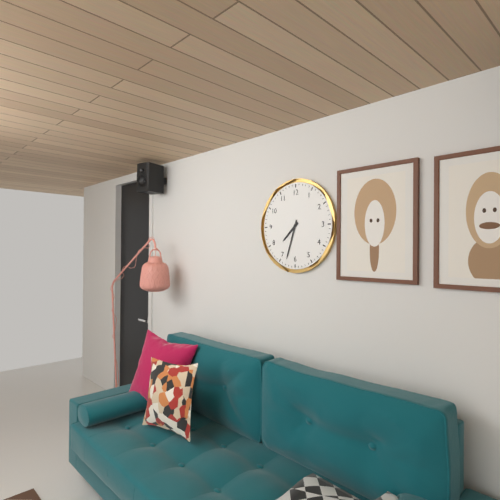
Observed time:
h=7 m=33
